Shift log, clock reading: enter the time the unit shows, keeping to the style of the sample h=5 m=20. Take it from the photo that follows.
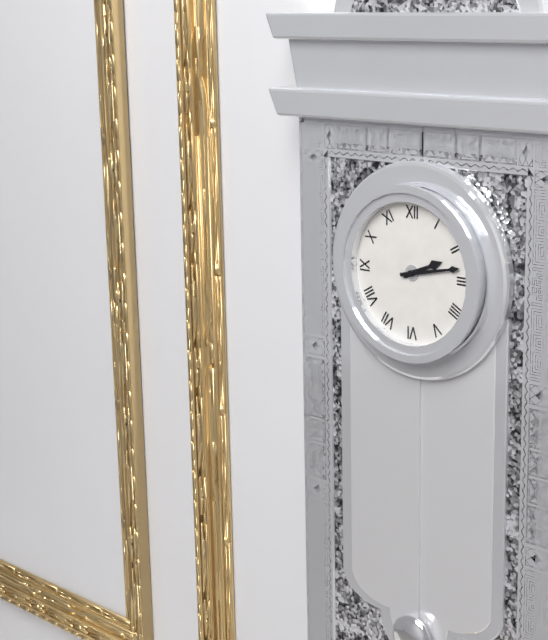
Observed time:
h=2 m=13
